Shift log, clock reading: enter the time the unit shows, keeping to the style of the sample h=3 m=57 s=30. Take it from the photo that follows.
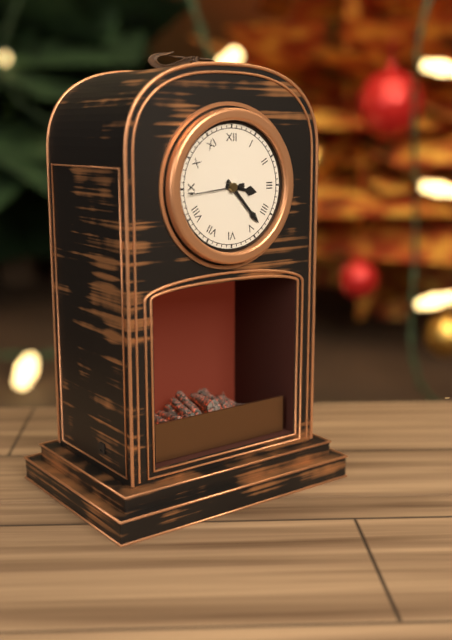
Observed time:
h=3 m=23 s=44
